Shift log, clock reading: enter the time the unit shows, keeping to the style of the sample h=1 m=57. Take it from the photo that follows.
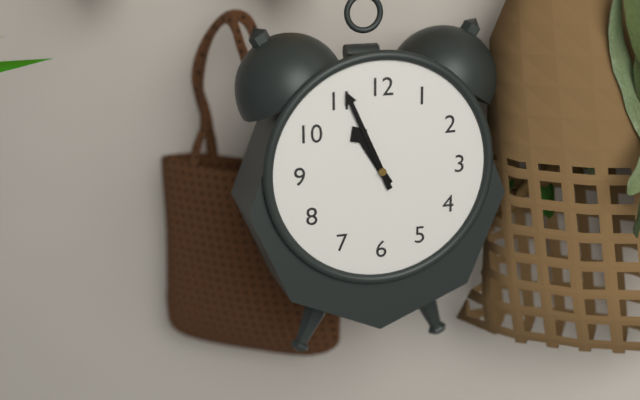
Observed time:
h=10 m=56
